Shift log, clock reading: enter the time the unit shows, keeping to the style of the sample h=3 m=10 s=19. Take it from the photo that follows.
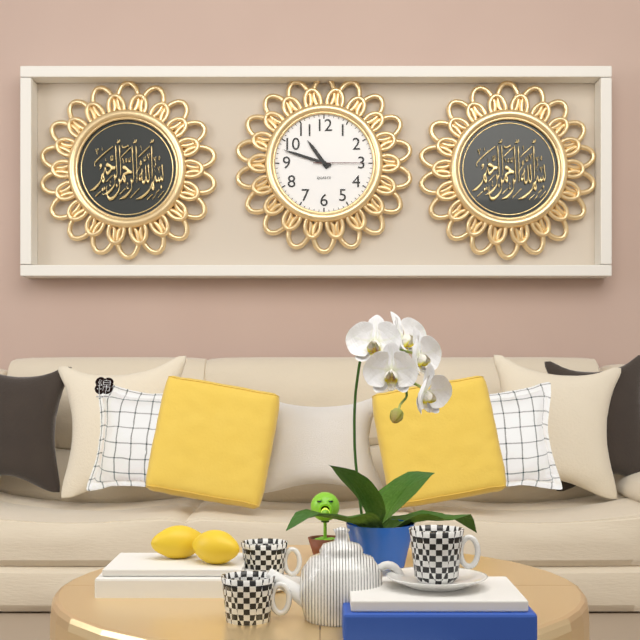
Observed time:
h=10 m=48 s=15
